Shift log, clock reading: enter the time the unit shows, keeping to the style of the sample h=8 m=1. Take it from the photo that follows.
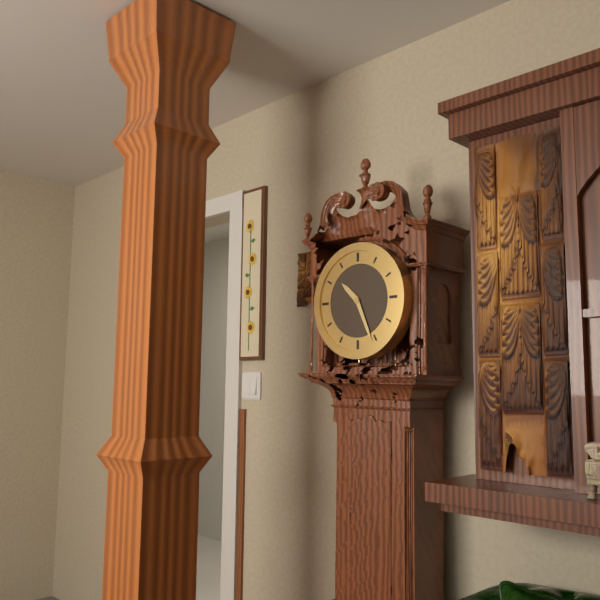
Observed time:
h=10 m=26
